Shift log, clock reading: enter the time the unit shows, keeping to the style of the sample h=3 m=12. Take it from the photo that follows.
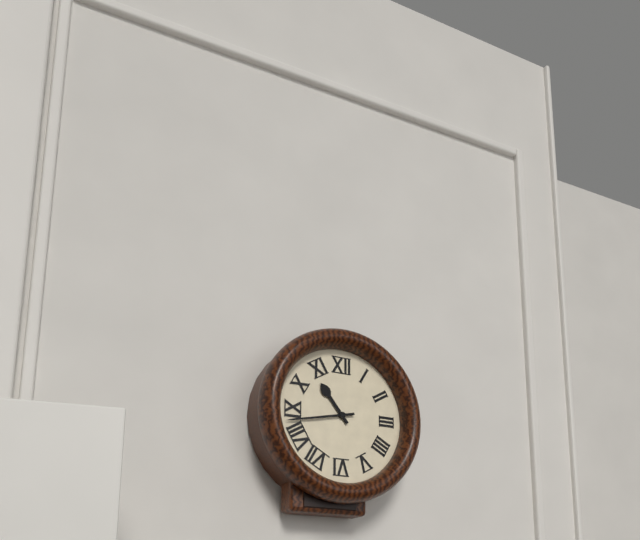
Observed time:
h=10 m=43
